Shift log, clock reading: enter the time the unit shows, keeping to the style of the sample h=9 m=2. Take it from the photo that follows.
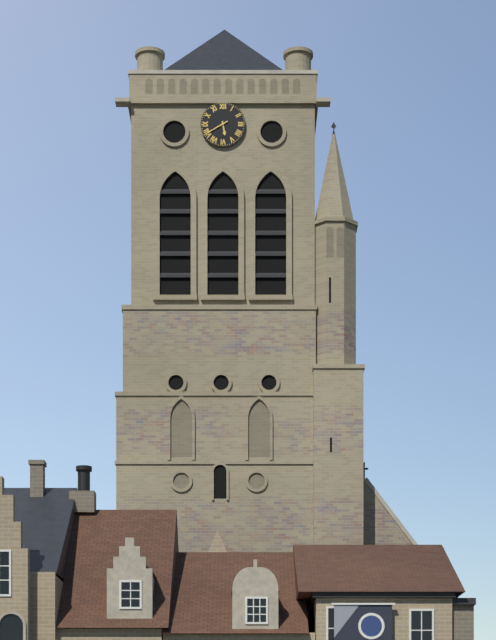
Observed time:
h=5 m=40
